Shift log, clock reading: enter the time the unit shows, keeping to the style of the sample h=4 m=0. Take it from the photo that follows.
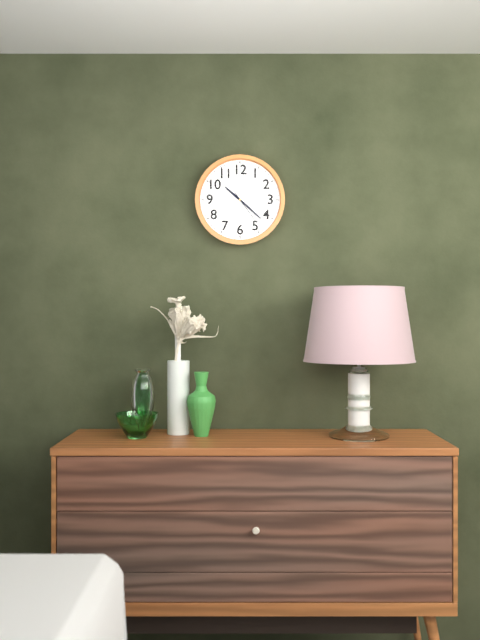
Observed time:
h=10 m=22
